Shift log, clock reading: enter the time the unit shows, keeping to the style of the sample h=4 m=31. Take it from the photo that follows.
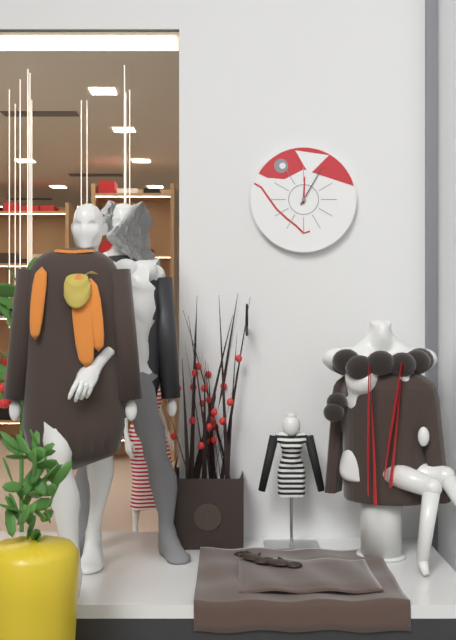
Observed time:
h=12 m=5
